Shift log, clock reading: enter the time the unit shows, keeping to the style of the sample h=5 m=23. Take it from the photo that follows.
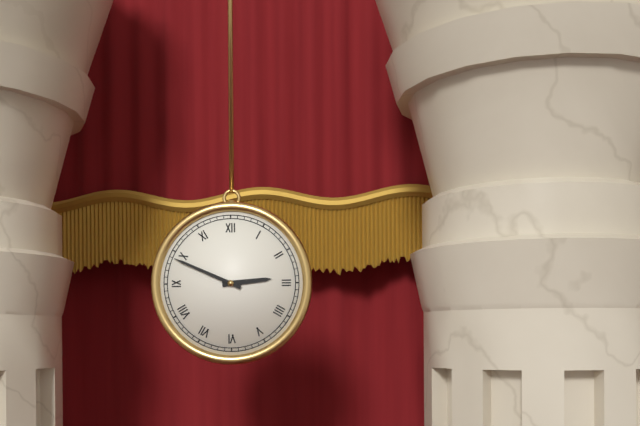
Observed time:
h=2 m=49
